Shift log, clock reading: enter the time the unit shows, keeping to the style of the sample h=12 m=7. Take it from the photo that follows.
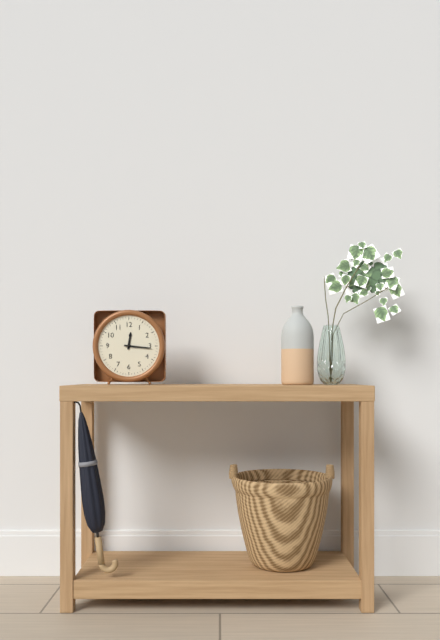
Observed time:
h=12 m=16
